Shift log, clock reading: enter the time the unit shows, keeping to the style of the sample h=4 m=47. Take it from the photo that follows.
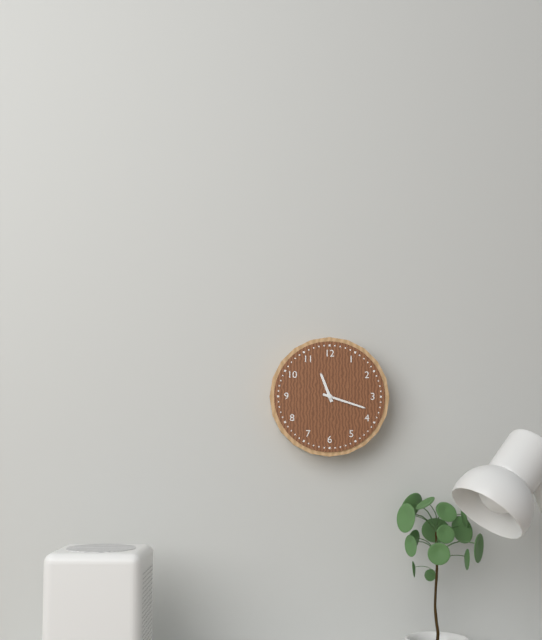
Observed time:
h=11 m=18
